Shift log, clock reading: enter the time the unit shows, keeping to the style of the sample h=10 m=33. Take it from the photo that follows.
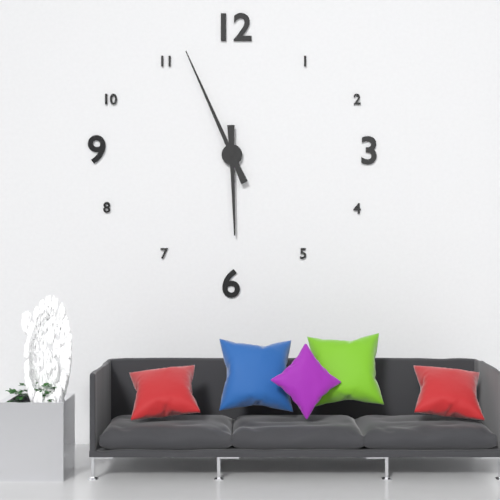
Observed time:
h=5 m=56
